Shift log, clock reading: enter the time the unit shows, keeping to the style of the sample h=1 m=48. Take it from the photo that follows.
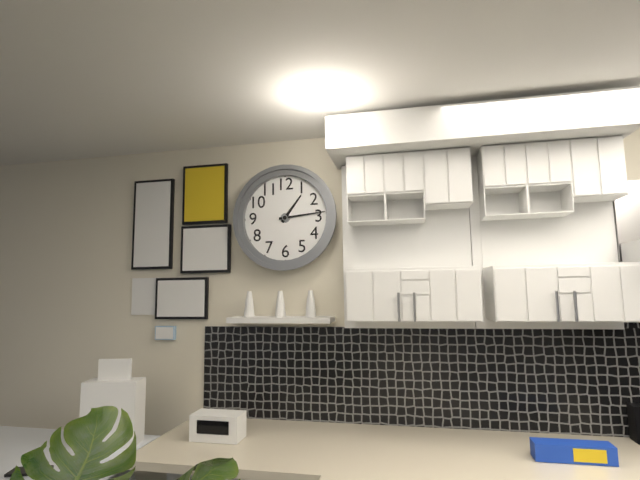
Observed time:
h=1 m=14
